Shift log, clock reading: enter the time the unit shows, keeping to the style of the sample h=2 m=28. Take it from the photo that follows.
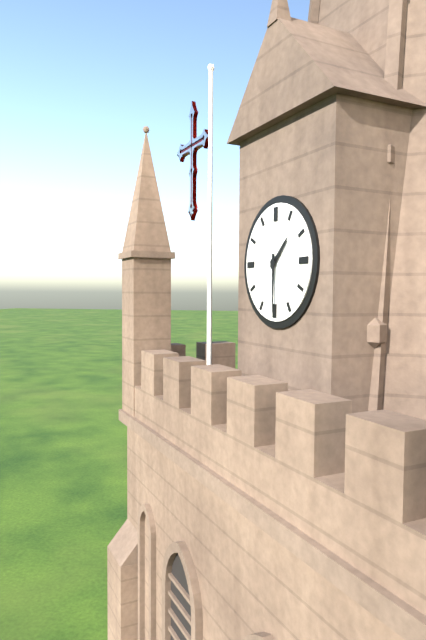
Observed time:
h=1 m=30
